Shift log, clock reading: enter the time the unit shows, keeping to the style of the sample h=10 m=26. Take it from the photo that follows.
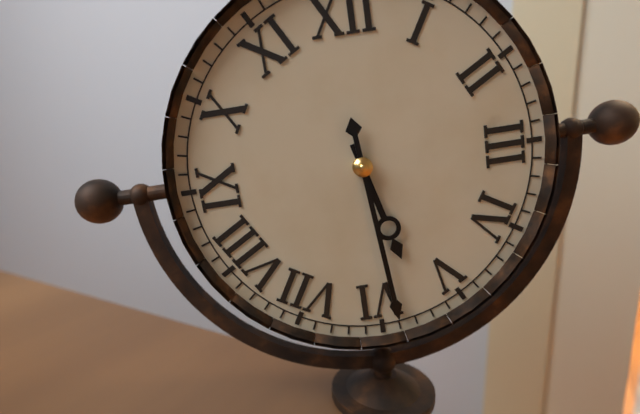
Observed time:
h=5 m=29
